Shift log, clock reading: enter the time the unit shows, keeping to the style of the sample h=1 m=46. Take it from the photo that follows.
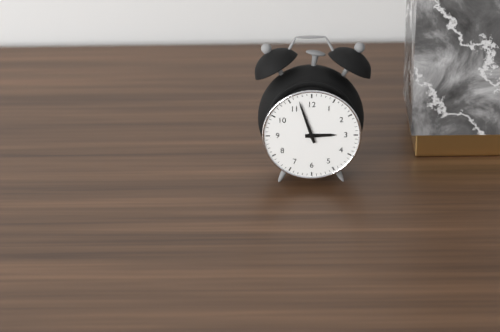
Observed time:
h=2 m=57
